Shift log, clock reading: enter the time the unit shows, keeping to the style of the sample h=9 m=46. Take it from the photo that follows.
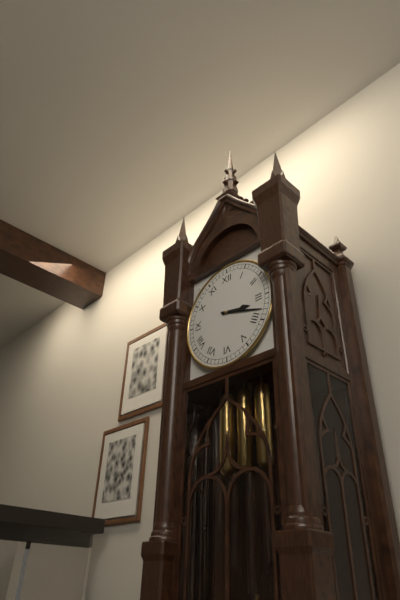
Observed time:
h=3 m=18
